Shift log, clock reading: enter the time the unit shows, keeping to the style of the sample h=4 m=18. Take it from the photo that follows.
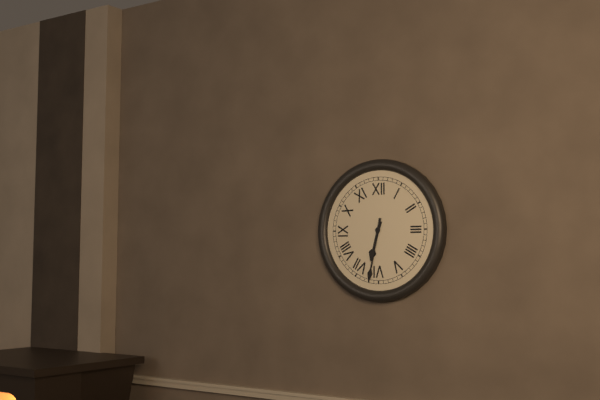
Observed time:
h=6 m=32
